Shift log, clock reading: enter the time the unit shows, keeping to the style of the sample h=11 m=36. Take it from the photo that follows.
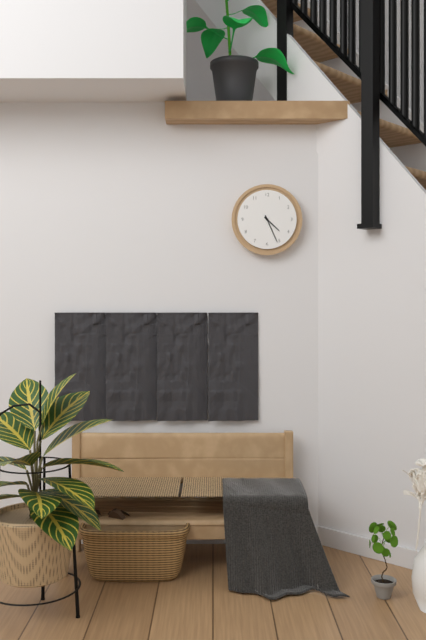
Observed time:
h=4 m=26
